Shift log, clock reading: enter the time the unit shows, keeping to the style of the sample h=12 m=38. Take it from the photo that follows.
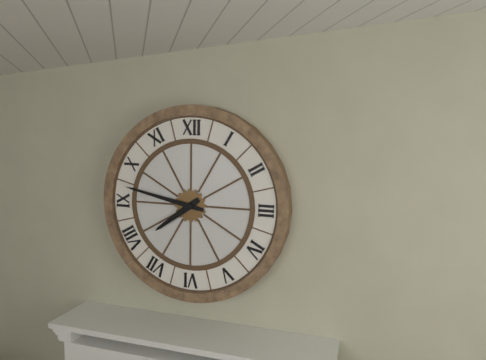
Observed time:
h=7 m=47
